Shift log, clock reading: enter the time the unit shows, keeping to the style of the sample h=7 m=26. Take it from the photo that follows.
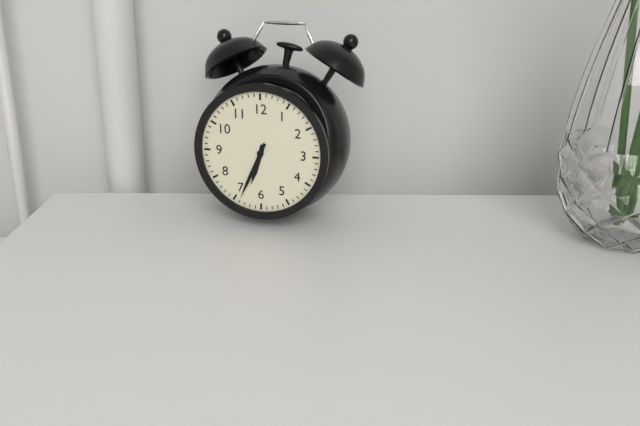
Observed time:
h=6 m=34
